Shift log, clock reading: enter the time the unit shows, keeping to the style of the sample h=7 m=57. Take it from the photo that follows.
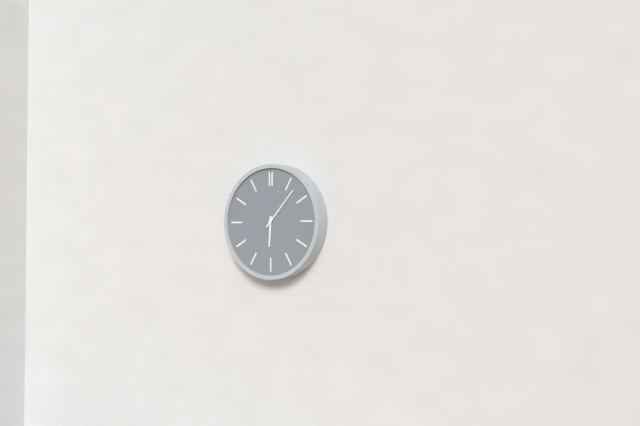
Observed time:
h=6 m=7
